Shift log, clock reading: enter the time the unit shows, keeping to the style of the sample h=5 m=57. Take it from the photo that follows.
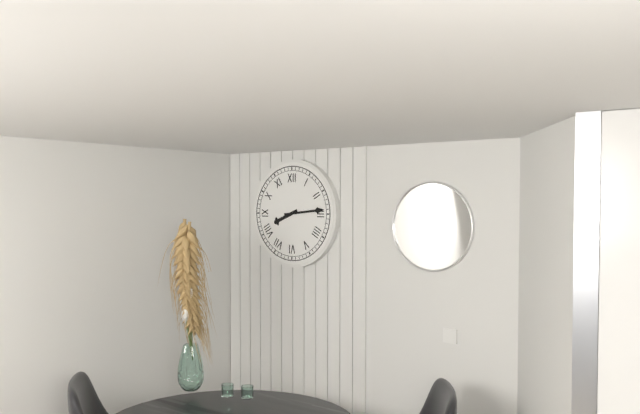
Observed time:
h=8 m=14
